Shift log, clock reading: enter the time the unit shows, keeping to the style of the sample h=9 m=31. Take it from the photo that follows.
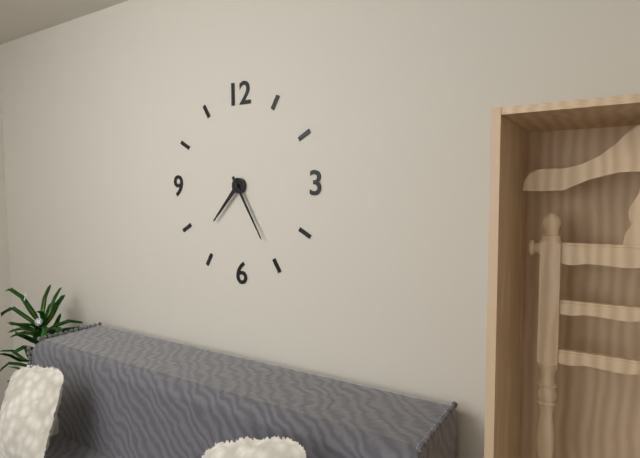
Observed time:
h=7 m=25
